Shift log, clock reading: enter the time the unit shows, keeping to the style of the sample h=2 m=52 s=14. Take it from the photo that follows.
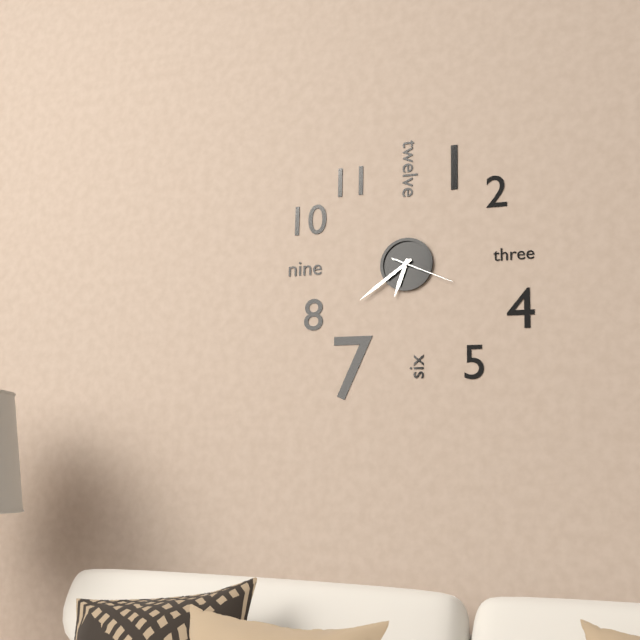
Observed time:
h=6 m=39 s=19
